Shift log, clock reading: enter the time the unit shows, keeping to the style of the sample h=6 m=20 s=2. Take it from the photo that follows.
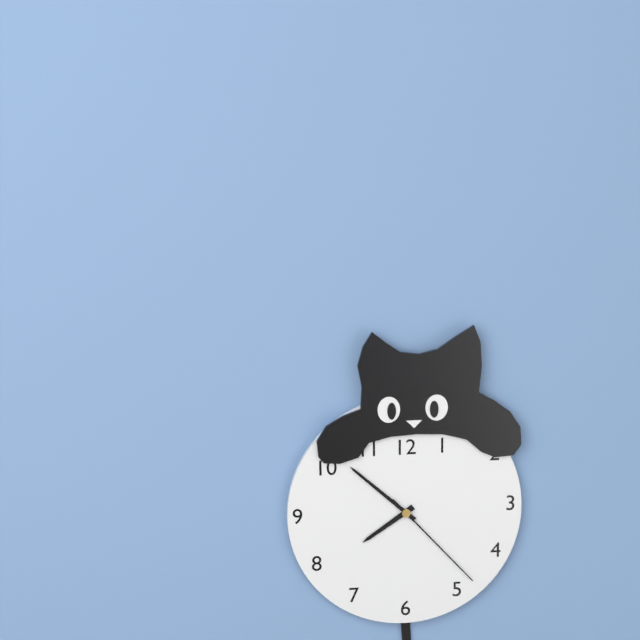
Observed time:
h=7 m=52 s=23
